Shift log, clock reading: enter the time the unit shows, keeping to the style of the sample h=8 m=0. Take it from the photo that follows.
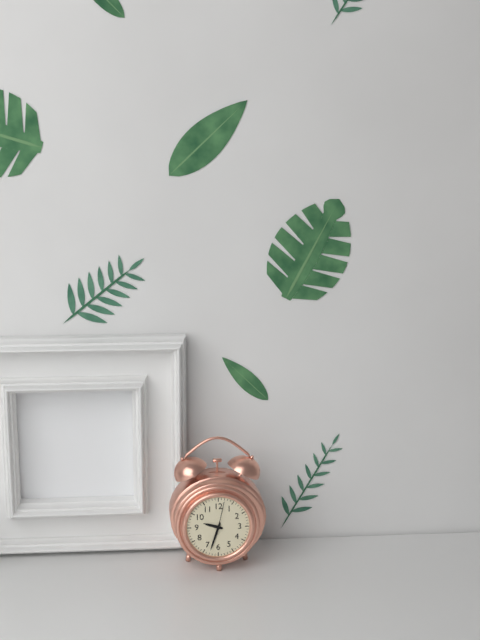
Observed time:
h=9 m=33
